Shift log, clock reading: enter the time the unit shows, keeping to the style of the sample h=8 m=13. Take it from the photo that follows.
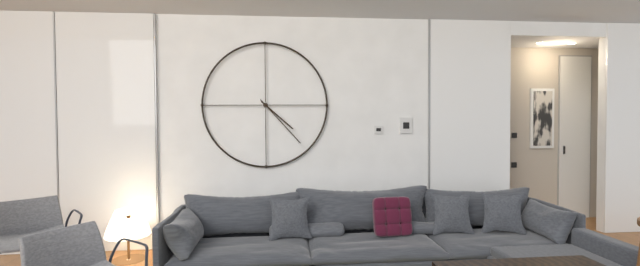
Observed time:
h=4 m=23
